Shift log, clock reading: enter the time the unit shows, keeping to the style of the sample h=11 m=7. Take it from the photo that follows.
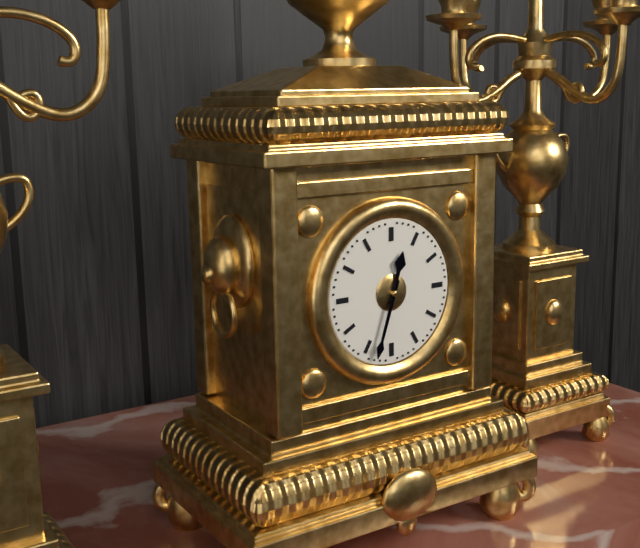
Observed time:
h=12 m=33
